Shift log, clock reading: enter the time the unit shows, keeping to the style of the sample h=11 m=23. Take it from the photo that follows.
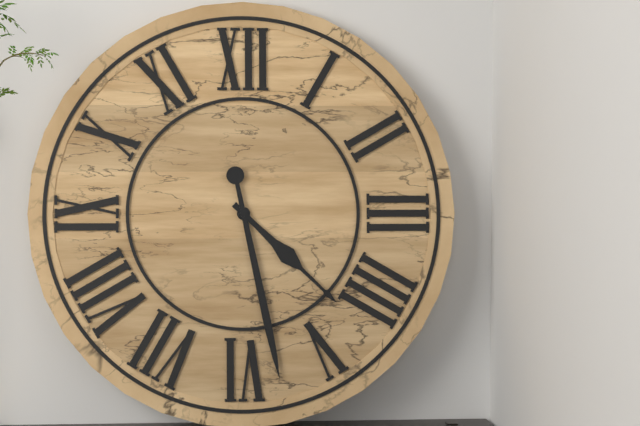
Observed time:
h=4 m=28
